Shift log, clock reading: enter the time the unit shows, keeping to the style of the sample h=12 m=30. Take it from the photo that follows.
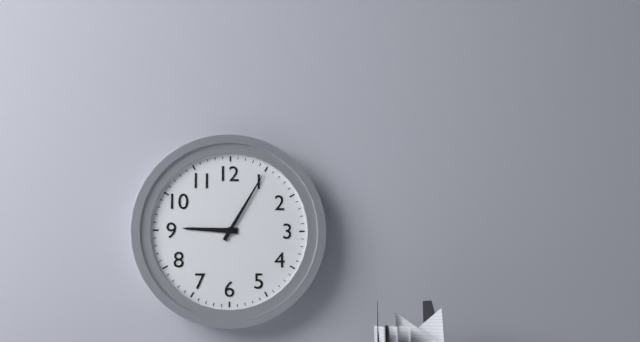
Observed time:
h=9 m=5
